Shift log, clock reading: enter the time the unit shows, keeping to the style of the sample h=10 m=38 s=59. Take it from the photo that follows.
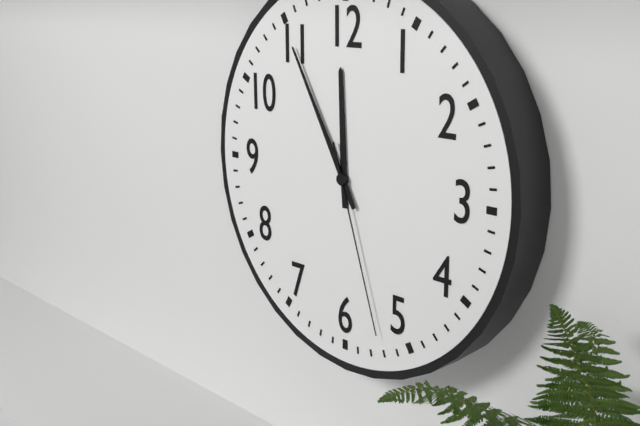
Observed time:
h=11 m=55 s=27
